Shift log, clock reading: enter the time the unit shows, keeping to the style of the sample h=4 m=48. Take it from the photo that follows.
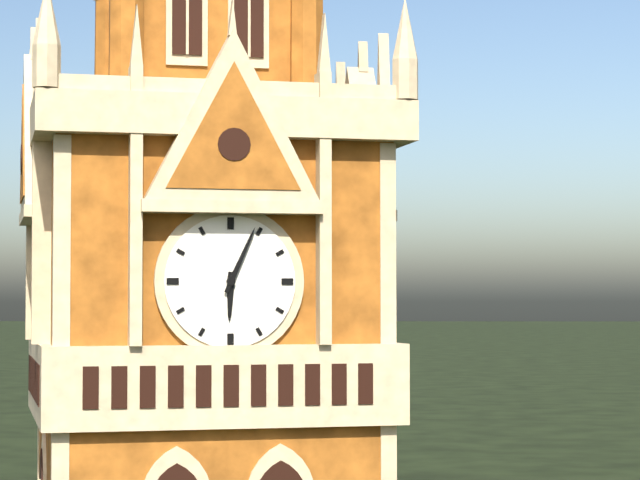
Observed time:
h=6 m=4
